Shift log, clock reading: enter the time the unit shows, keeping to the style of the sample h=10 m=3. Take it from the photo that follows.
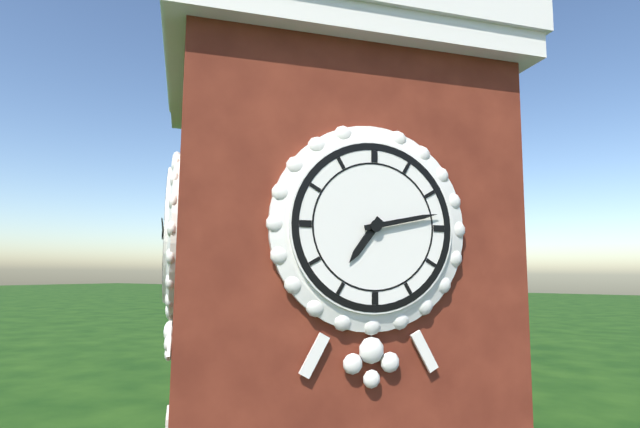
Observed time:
h=7 m=13
